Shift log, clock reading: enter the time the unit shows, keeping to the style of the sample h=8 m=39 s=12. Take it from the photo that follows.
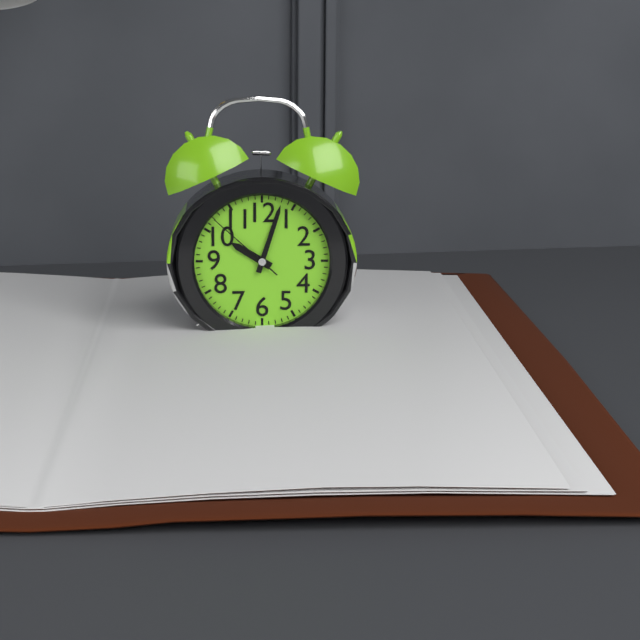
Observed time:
h=10 m=3 s=52
